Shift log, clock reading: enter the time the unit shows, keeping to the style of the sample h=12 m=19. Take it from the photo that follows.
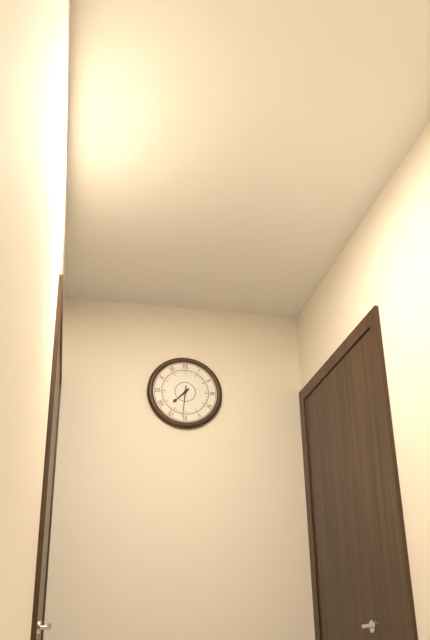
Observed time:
h=7 m=31
